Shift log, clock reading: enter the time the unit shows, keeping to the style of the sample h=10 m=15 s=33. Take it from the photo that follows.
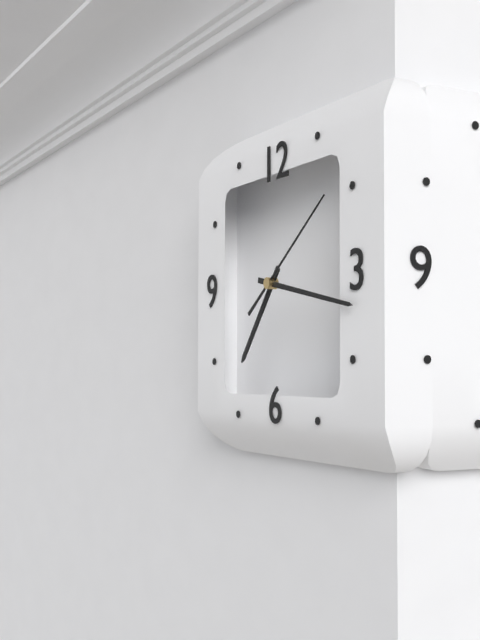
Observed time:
h=7 m=17 s=9
